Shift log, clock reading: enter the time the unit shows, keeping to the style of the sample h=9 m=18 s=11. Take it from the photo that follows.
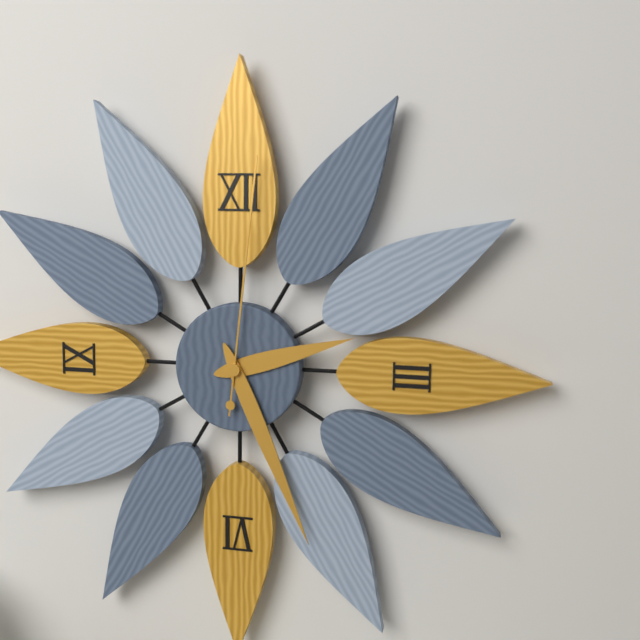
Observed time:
h=2 m=26 s=1
